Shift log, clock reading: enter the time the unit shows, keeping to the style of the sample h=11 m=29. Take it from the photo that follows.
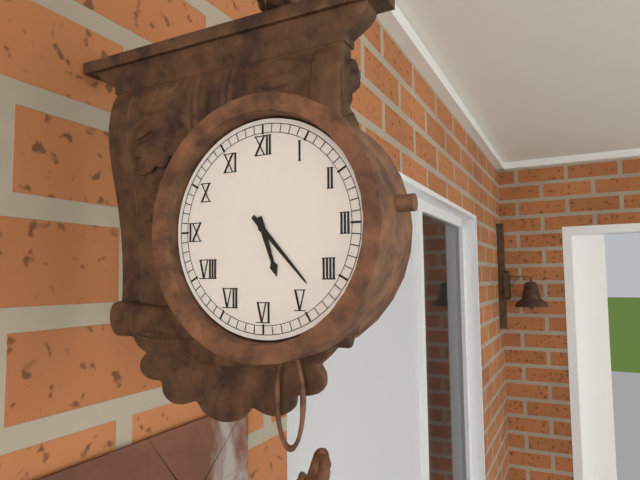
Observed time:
h=5 m=23
